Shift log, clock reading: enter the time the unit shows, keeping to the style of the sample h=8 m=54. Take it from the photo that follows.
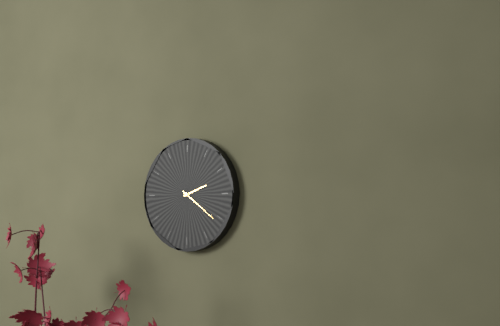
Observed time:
h=2 m=21
